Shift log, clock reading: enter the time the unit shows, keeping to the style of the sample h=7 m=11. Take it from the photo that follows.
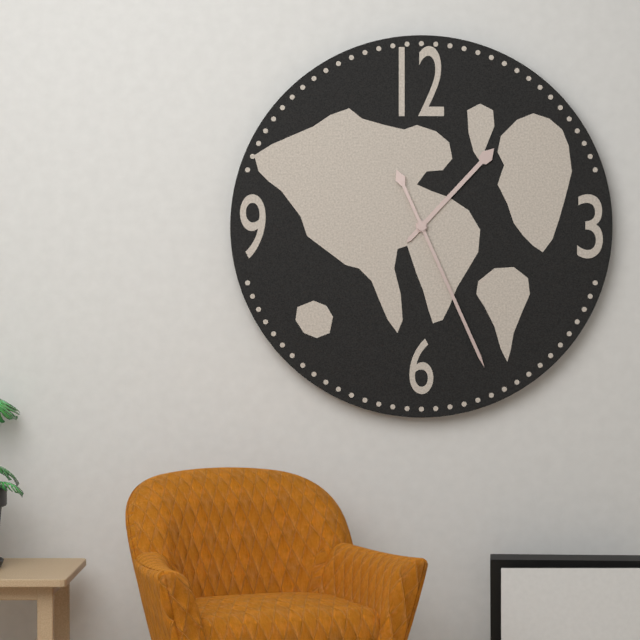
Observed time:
h=1 m=26
